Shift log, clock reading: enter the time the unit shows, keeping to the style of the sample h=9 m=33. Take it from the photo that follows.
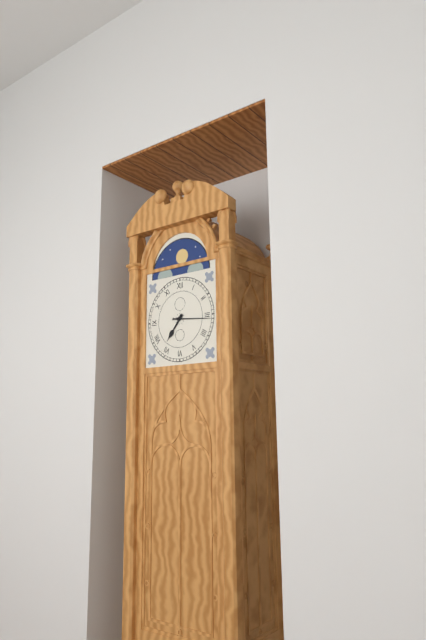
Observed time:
h=7 m=16
